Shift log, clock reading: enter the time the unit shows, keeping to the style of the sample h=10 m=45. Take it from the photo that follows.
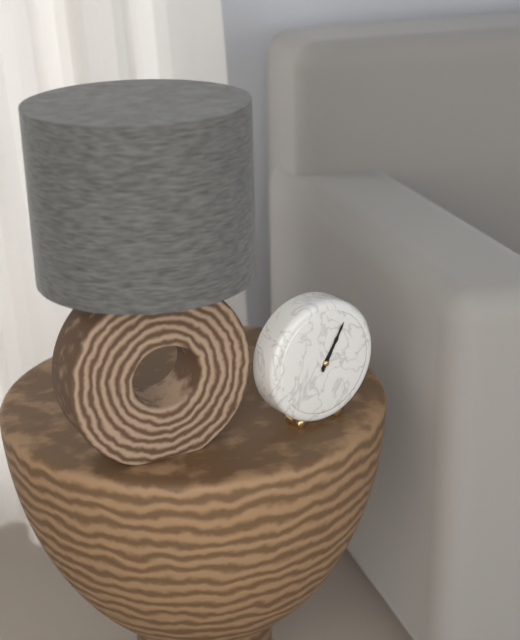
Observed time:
h=1 m=5
